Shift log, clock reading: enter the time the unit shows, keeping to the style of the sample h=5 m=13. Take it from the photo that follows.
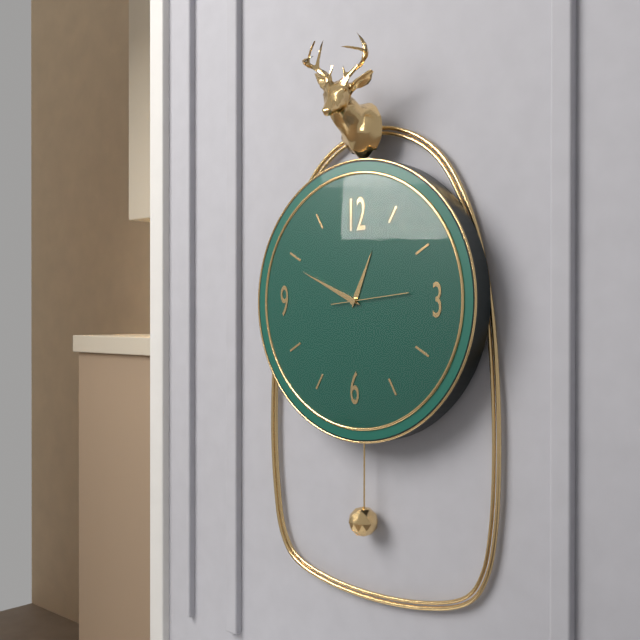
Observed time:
h=12 m=49
